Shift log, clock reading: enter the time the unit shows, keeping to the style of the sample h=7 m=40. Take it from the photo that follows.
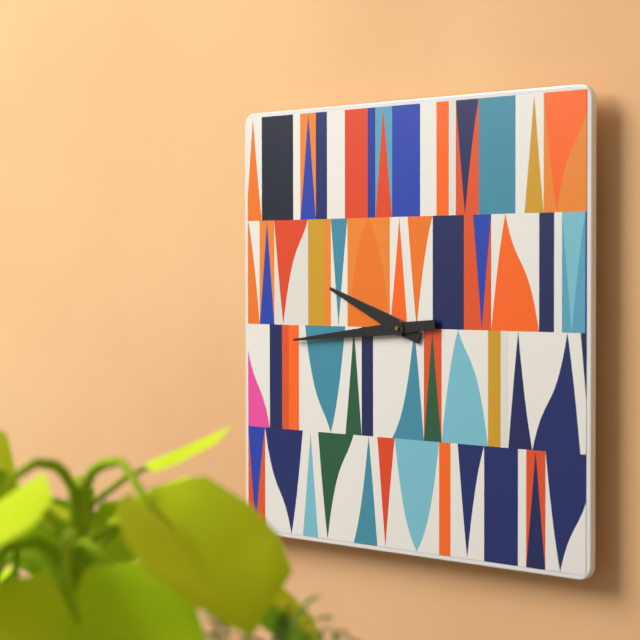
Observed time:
h=9 m=44
